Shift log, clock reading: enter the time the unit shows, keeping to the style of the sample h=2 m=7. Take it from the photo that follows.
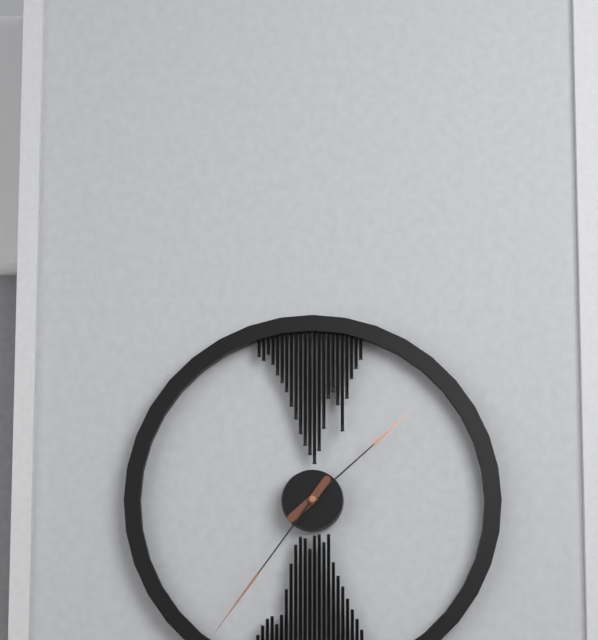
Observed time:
h=1 m=36
